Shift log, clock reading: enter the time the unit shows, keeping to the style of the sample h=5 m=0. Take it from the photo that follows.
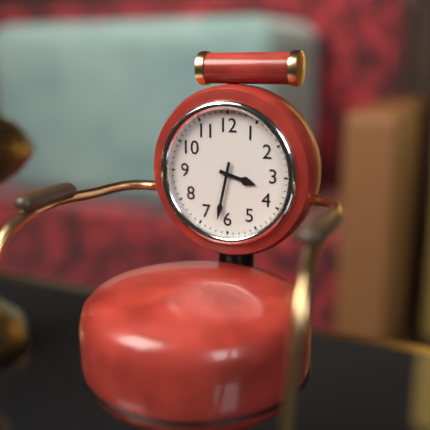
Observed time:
h=3 m=32
